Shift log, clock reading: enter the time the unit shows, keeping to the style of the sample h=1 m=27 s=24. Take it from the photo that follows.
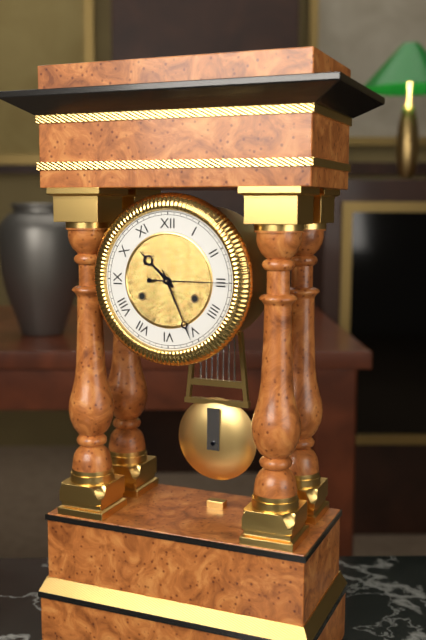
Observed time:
h=10 m=26 s=15
